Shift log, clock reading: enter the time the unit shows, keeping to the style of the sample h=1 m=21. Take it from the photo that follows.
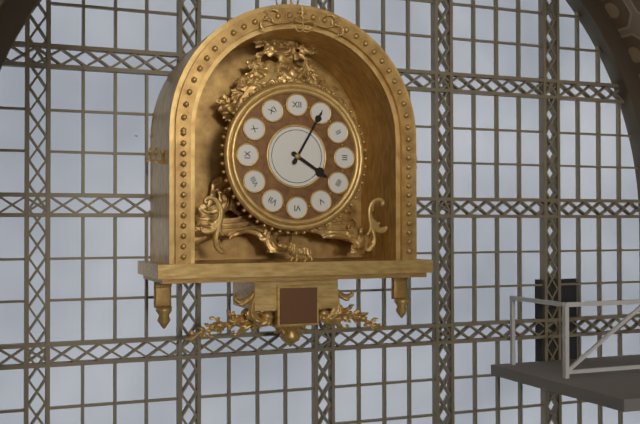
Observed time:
h=4 m=5
